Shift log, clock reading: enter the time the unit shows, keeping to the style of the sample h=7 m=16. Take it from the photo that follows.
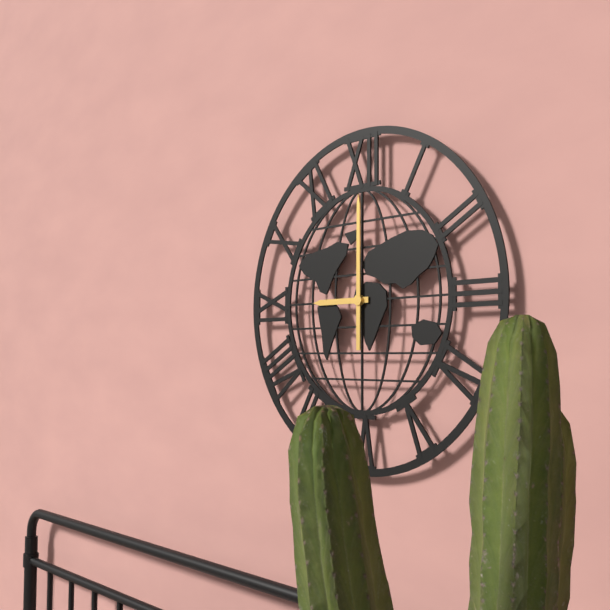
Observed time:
h=9 m=0
